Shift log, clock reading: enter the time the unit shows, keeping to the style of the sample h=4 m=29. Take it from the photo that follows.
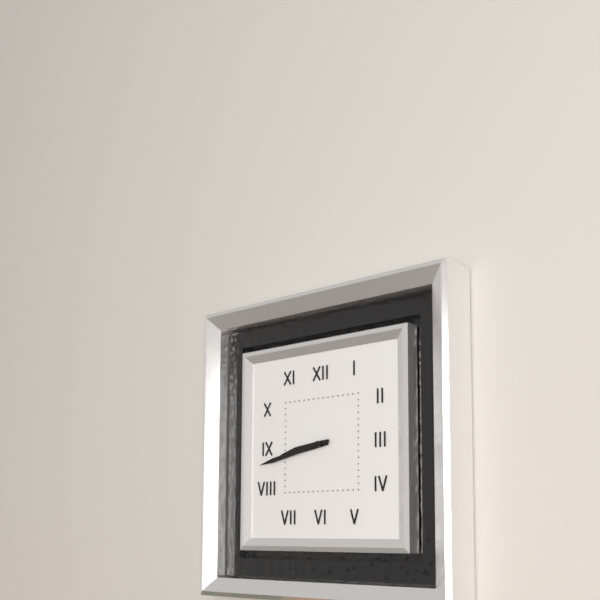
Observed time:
h=8 m=43
